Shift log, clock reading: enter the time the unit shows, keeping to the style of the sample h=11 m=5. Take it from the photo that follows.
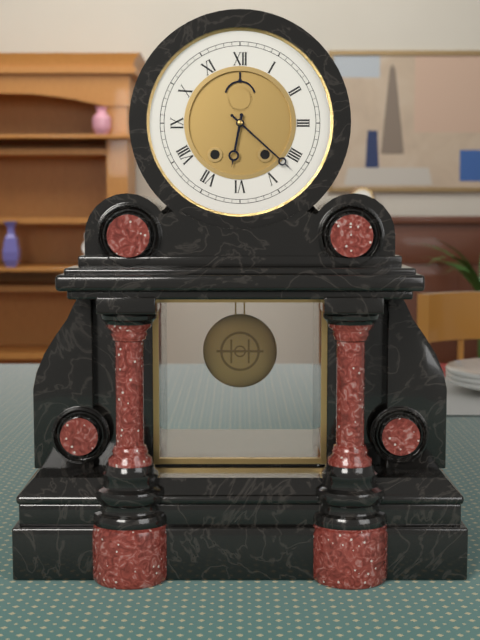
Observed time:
h=6 m=22
